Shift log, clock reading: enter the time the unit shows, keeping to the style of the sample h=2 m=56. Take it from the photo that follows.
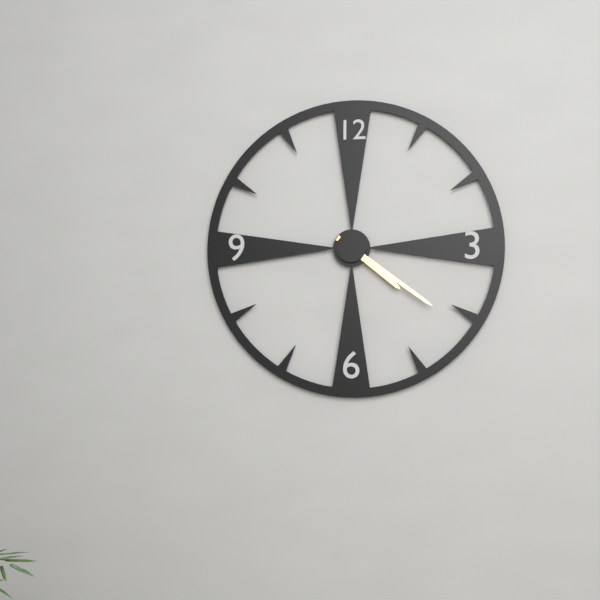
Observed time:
h=4 m=21
